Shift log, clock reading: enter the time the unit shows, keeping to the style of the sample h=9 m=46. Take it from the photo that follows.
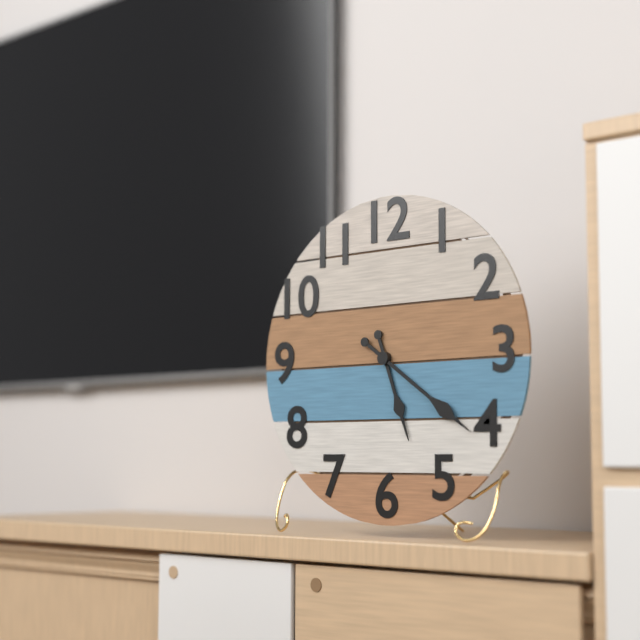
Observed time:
h=5 m=21
